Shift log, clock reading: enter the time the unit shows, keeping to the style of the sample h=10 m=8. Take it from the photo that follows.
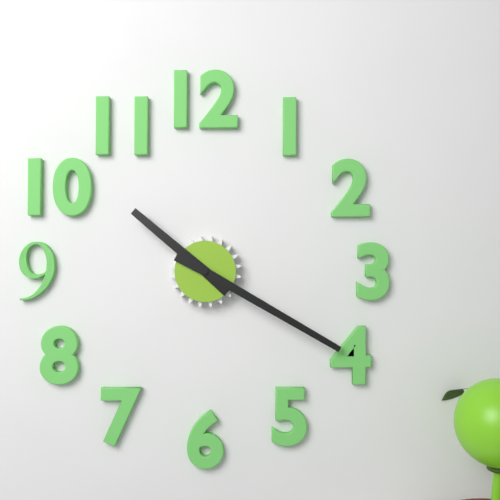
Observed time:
h=10 m=20
